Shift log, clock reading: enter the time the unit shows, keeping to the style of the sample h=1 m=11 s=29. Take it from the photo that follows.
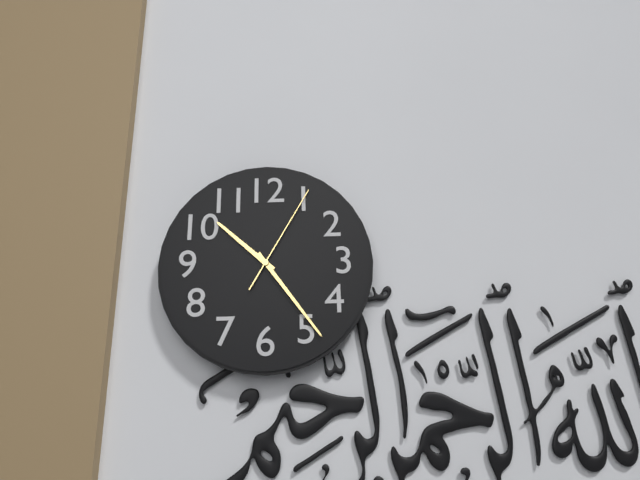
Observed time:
h=10 m=24 s=5
